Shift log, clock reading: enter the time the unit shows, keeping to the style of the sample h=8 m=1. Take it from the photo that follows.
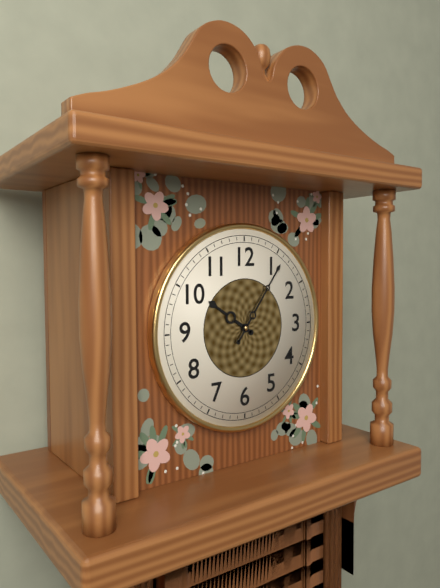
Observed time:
h=10 m=6
